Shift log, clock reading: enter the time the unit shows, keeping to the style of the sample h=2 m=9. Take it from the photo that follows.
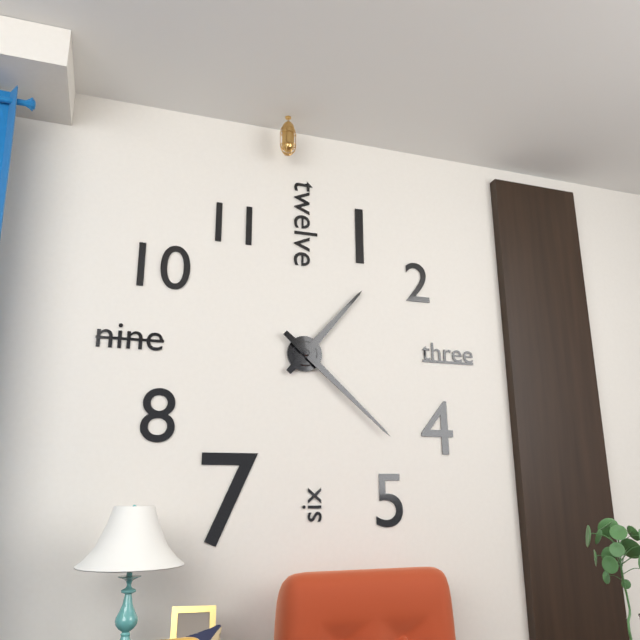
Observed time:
h=1 m=22
